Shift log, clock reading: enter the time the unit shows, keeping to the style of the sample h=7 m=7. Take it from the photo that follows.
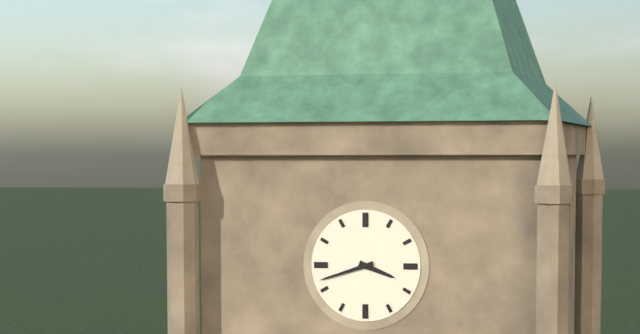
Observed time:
h=3 m=42
